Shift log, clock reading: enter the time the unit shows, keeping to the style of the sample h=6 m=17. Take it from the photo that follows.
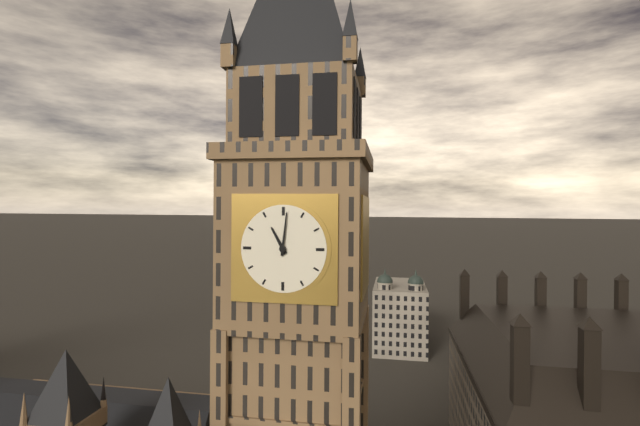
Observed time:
h=11 m=1
